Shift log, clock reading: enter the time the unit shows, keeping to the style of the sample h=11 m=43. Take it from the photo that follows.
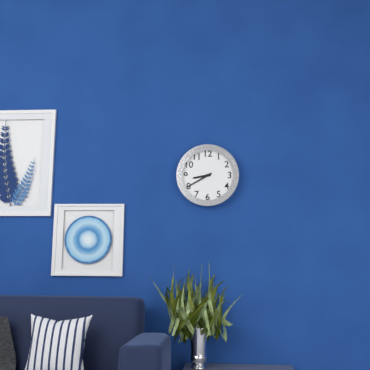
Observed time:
h=8 m=40
